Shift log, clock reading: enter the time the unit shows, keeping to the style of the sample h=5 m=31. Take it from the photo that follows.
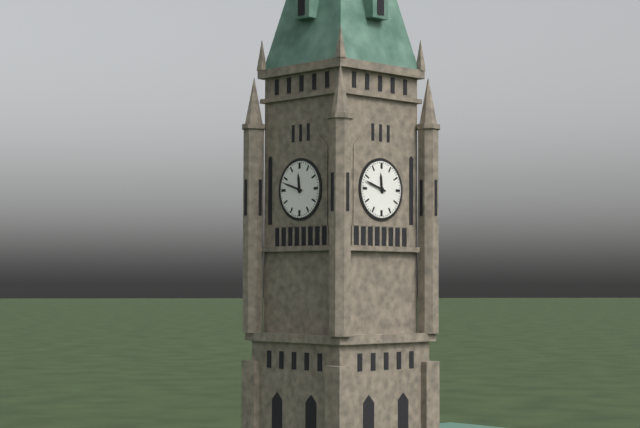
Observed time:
h=11 m=48
